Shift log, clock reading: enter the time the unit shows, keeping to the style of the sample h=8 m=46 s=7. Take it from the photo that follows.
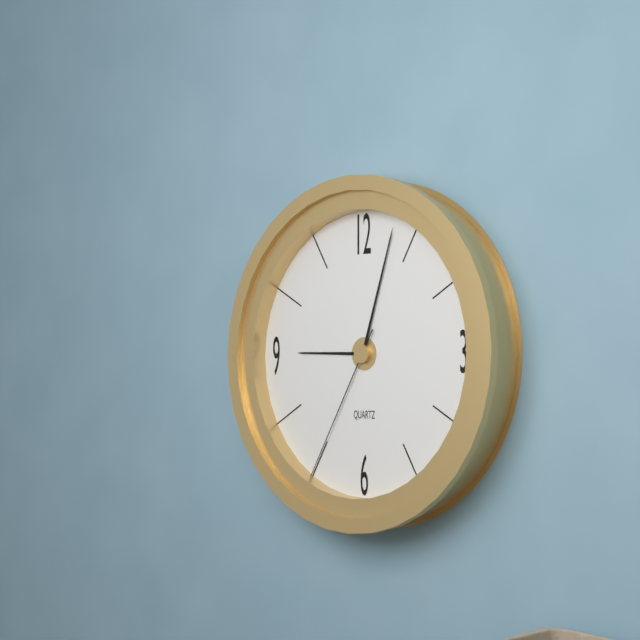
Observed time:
h=9 m=3 s=35
